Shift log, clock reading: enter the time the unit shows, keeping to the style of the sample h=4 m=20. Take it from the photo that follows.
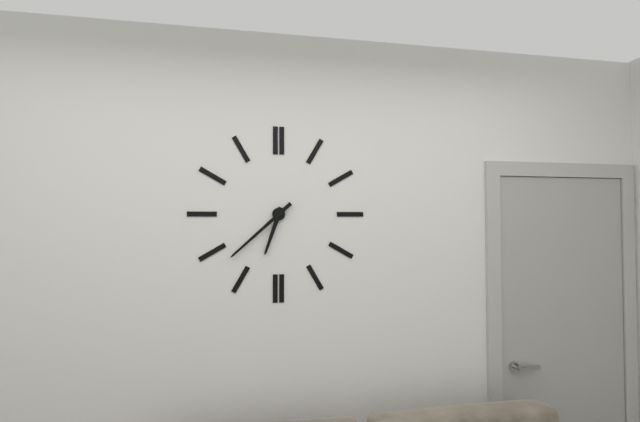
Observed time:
h=6 m=38
